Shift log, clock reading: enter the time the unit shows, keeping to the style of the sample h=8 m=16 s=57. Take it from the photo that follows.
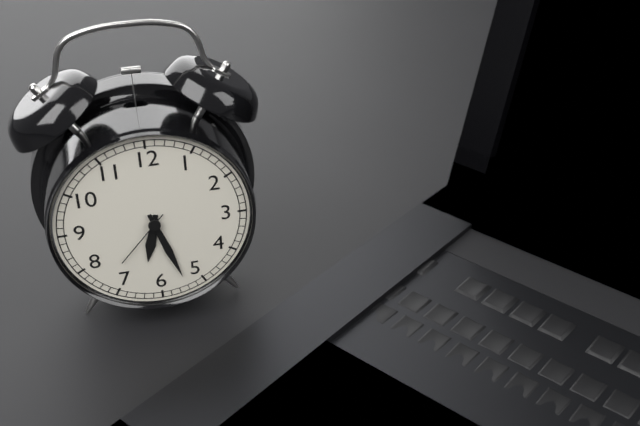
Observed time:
h=6 m=27 s=37
